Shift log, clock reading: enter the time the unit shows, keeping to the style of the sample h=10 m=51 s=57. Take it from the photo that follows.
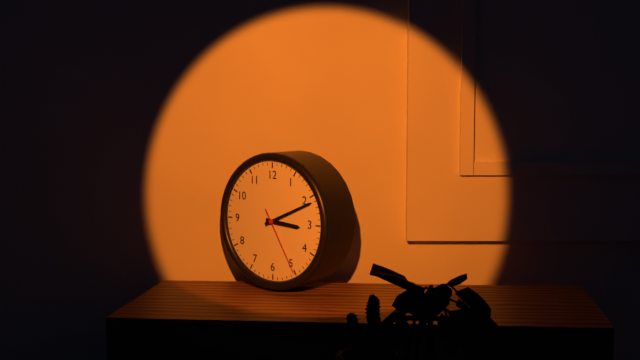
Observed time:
h=3 m=11 s=25
